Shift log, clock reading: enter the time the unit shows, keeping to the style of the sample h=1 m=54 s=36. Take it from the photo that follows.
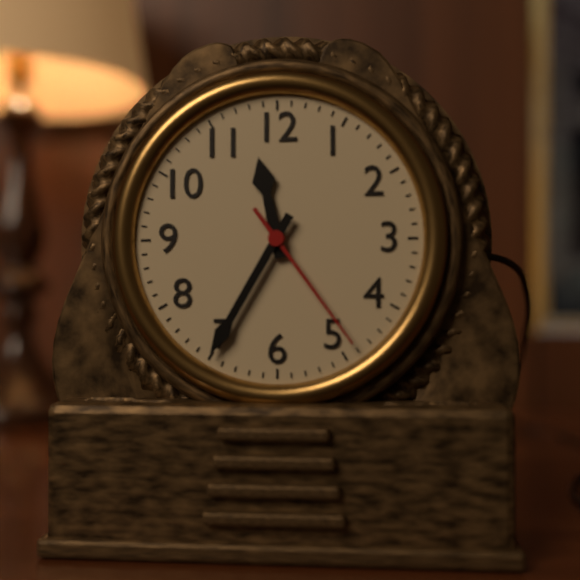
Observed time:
h=11 m=35 s=24
